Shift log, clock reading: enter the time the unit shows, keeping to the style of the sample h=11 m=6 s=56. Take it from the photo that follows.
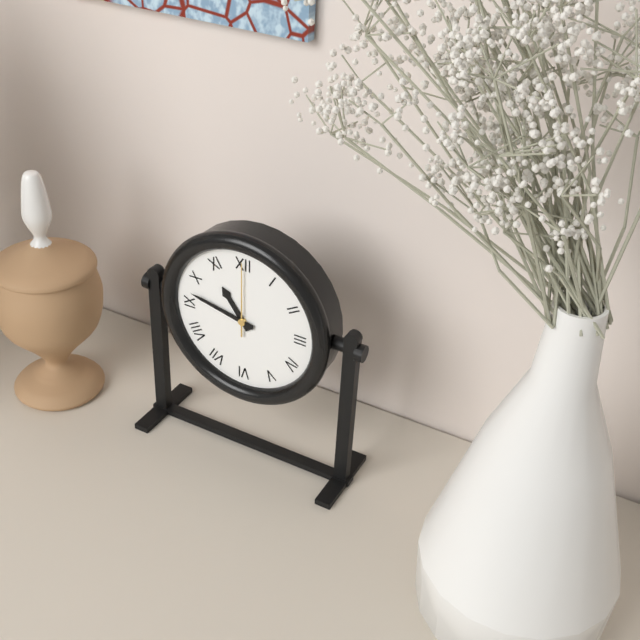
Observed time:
h=10 m=47 s=0
